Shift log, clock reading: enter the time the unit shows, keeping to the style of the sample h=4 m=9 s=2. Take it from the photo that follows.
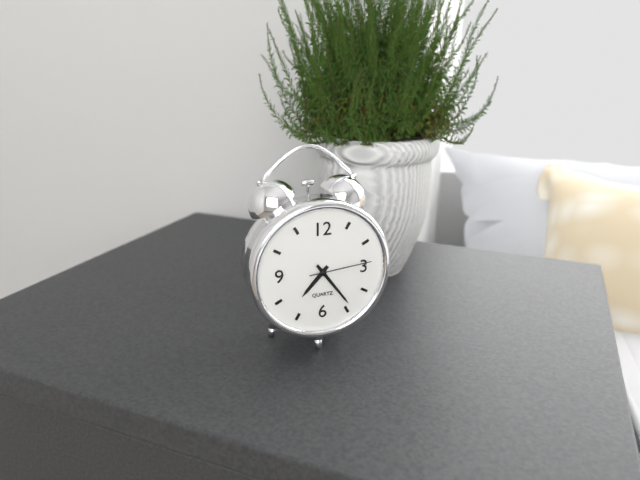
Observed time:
h=7 m=24 s=14
